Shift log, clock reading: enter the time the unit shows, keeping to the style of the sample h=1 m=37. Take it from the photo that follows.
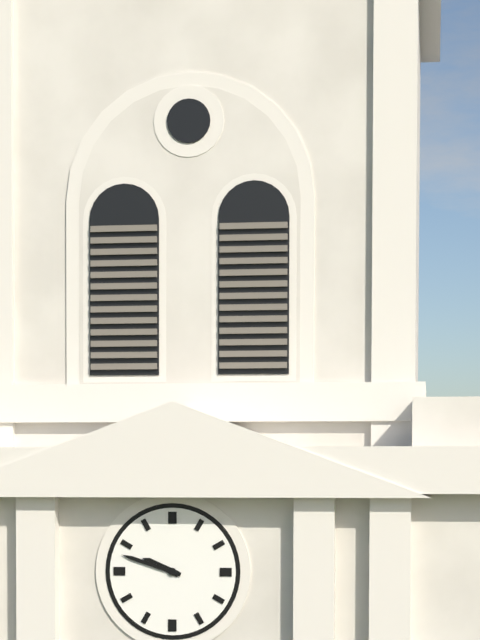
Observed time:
h=9 m=48
